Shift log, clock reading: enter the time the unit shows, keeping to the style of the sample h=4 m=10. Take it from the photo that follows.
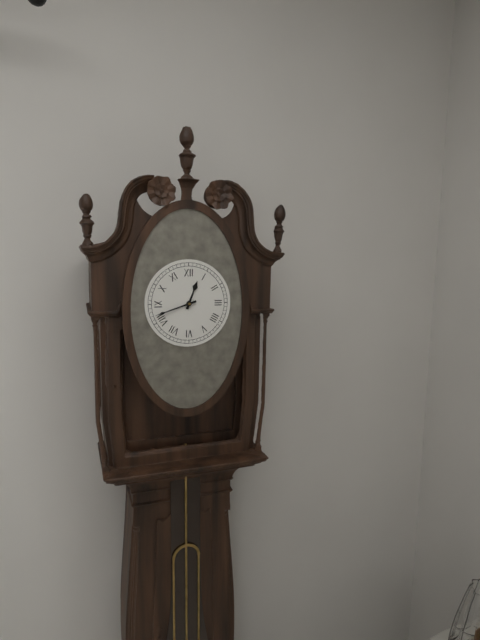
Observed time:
h=12 m=42
